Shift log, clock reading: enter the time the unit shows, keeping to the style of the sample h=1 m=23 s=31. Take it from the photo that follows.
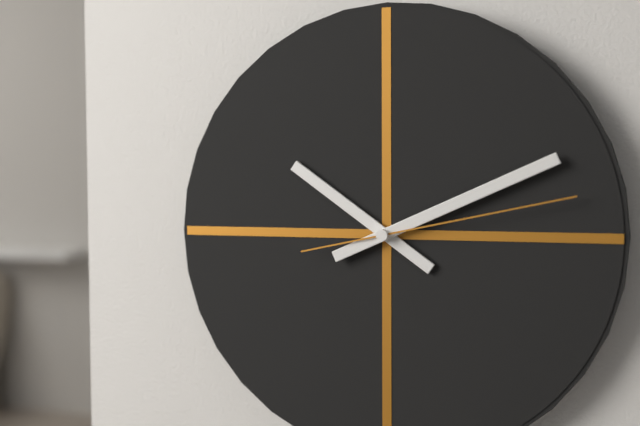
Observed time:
h=10 m=11 s=13
